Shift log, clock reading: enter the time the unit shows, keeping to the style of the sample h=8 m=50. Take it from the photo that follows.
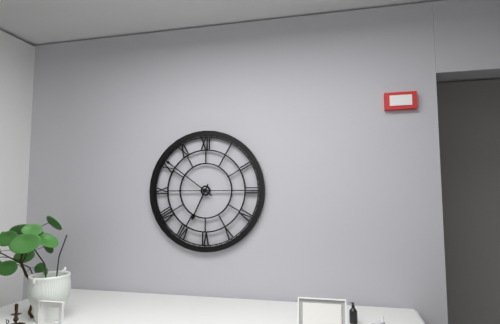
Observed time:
h=6 m=51
